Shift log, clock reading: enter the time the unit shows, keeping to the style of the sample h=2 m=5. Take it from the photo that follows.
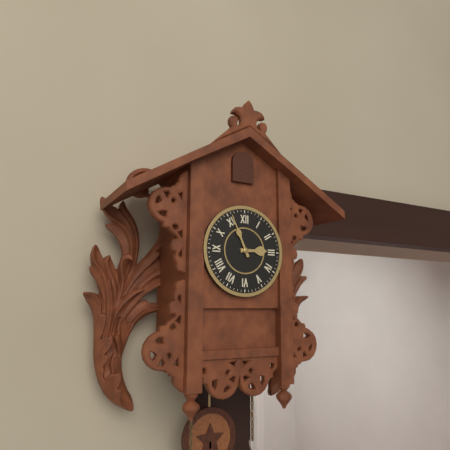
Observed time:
h=2 m=56
